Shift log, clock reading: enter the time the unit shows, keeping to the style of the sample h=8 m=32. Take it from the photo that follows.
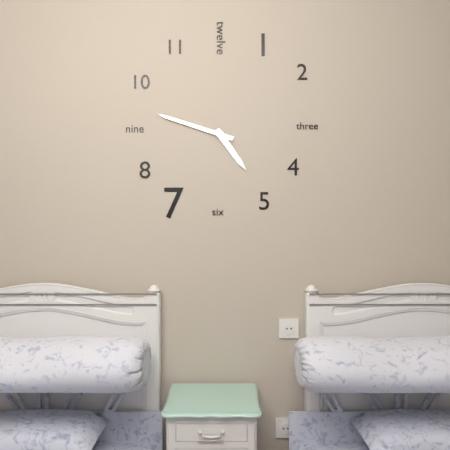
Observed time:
h=4 m=48
